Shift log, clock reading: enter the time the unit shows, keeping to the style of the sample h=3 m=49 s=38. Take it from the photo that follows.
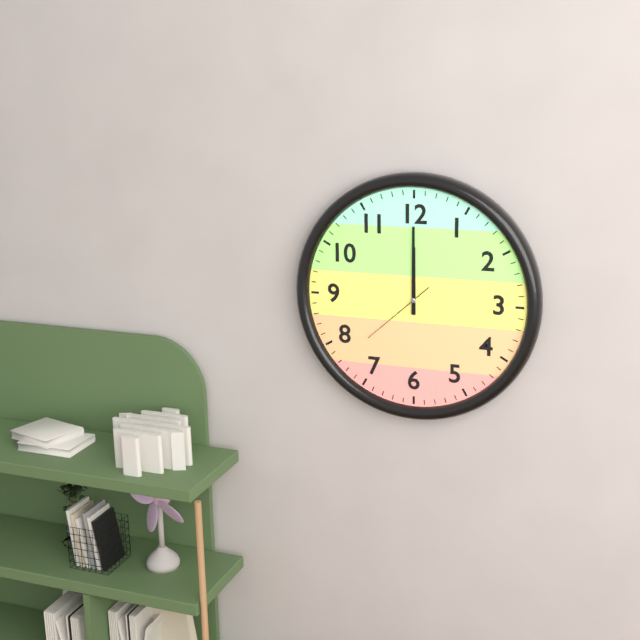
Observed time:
h=12 m=0 s=38
